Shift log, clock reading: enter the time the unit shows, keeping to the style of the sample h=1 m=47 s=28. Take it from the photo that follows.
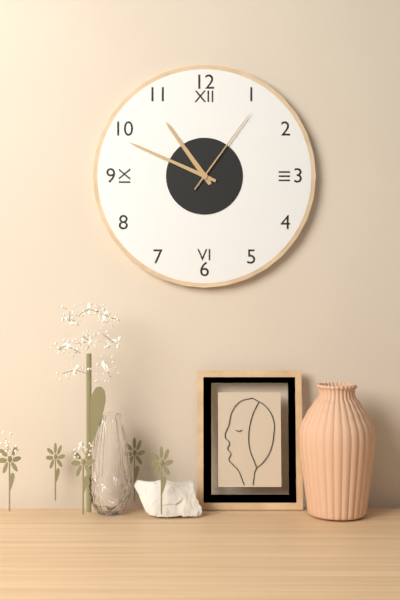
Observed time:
h=10 m=49 s=6
